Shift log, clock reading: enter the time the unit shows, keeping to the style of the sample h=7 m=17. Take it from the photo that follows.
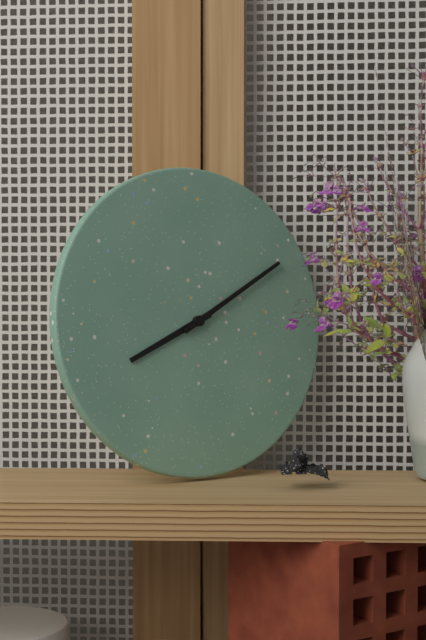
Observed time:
h=8 m=10
